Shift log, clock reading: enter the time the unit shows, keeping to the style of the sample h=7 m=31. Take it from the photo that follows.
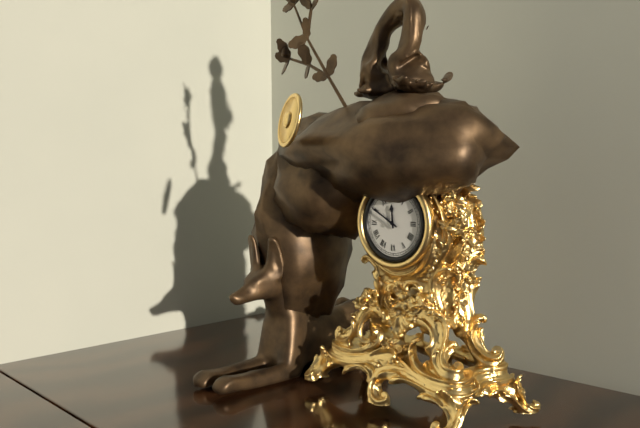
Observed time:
h=11 m=50
